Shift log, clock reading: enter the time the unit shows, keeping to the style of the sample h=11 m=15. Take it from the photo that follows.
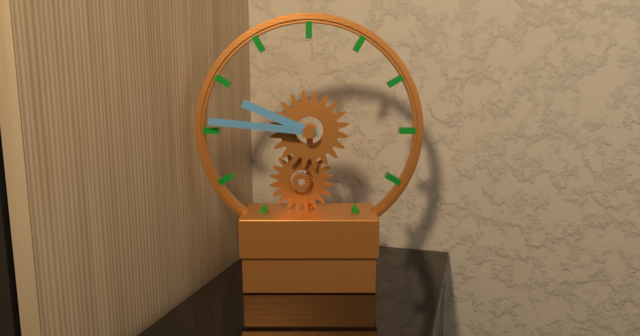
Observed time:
h=9 m=46
